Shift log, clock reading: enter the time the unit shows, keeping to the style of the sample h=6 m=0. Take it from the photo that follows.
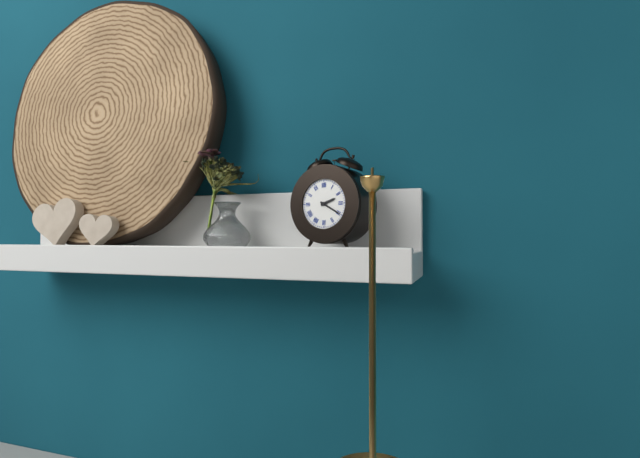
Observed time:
h=2 m=20
